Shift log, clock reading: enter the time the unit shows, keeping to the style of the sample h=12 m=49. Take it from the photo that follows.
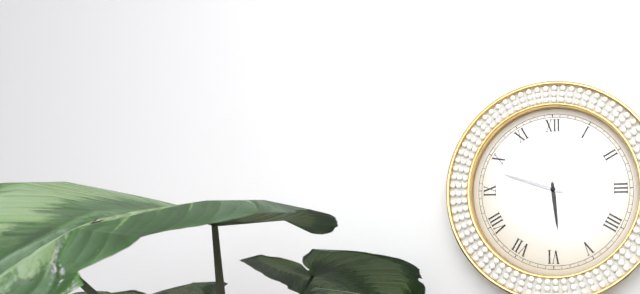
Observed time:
h=5 m=48
